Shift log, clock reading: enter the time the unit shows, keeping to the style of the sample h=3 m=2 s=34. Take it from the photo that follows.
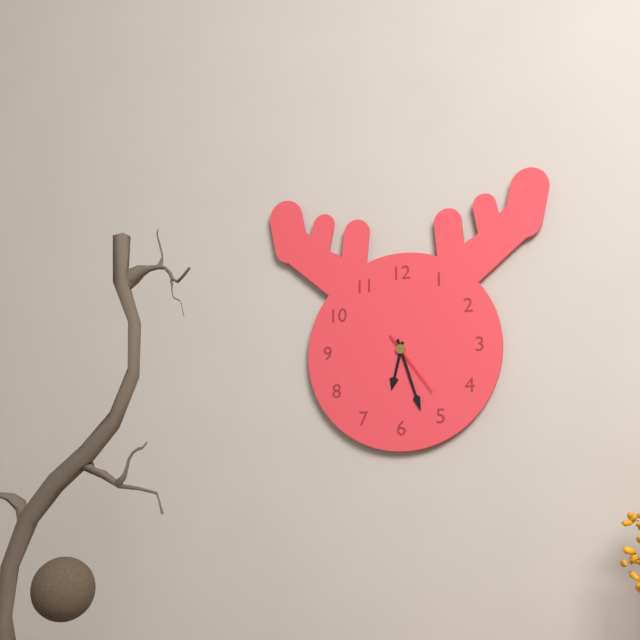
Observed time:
h=6 m=27 s=24
